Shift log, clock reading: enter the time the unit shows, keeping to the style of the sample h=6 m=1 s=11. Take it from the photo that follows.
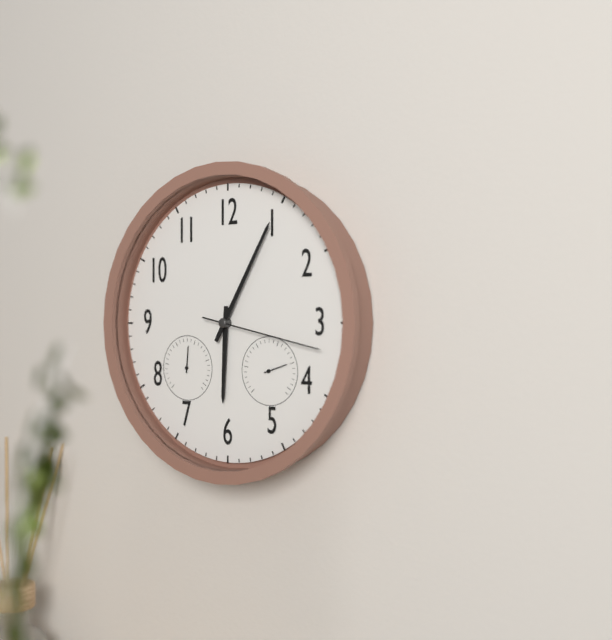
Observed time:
h=6 m=5 s=17
